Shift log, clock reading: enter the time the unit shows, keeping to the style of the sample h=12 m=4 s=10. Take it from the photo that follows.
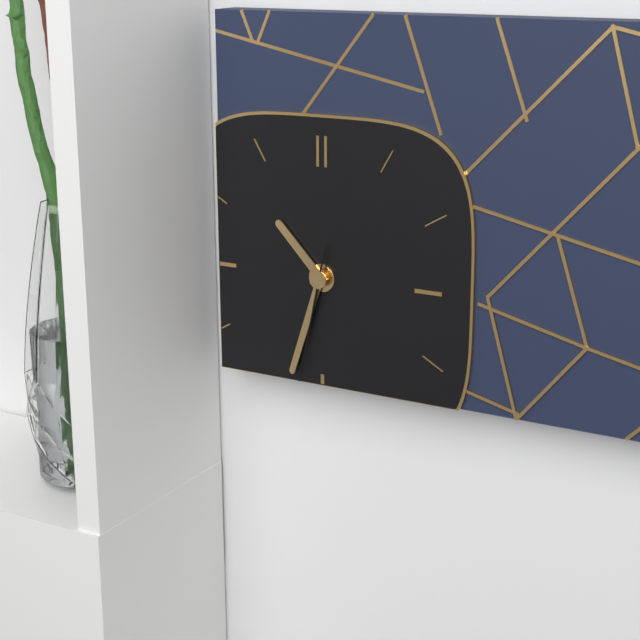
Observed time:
h=10 m=33 s=32
